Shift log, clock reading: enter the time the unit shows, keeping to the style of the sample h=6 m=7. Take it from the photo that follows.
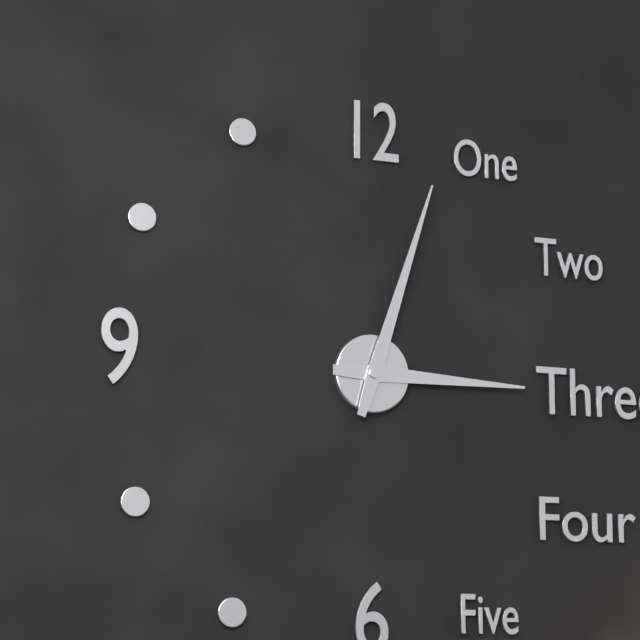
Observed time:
h=3 m=3
